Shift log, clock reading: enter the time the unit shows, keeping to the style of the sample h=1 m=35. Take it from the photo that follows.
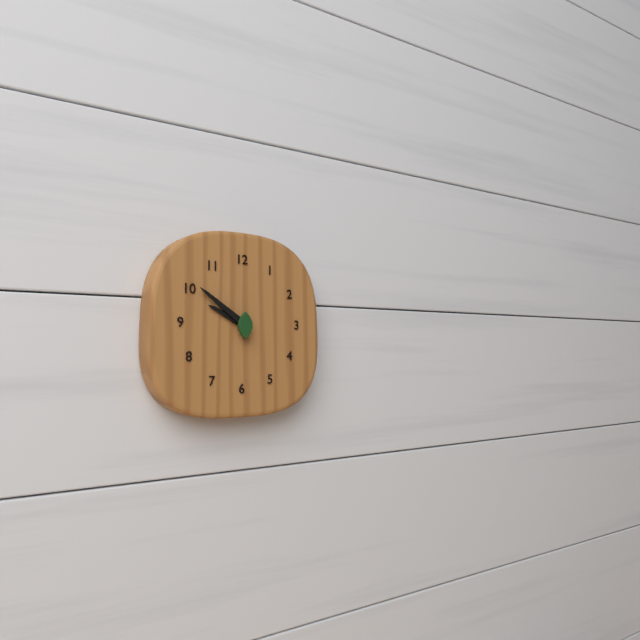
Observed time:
h=9 m=51
